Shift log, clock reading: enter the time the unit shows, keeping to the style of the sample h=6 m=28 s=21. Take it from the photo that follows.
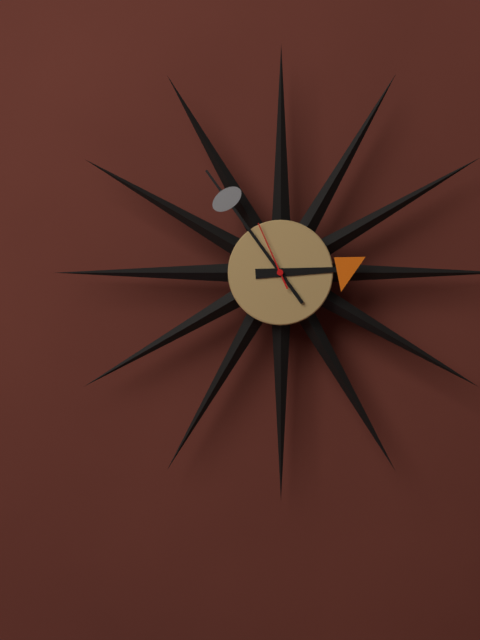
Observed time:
h=2 m=54 s=56
